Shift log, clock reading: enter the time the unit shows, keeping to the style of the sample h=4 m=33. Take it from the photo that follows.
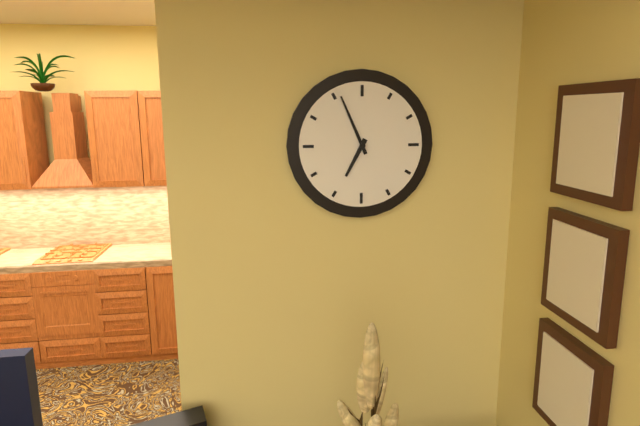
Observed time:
h=6 m=56
